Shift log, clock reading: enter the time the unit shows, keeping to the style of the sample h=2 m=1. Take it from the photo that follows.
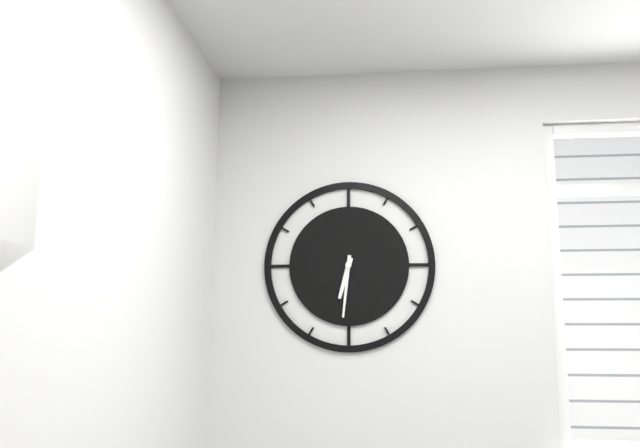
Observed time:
h=6 m=31
